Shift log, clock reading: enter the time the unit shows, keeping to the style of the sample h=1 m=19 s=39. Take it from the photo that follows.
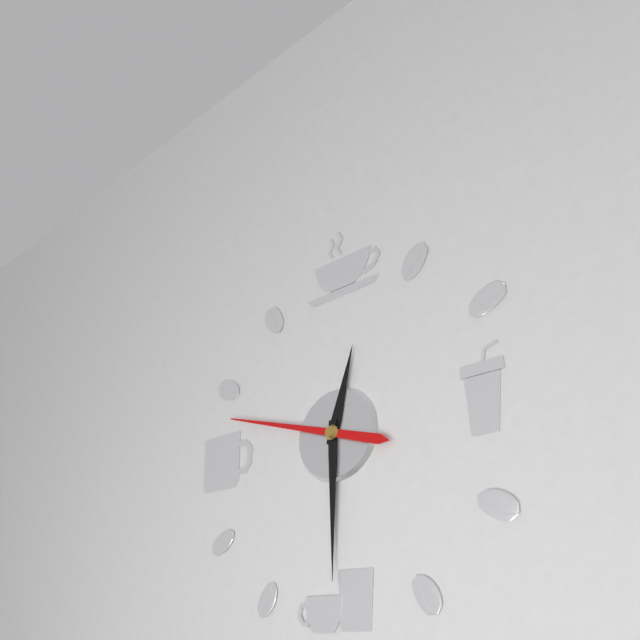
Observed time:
h=12 m=30 s=48
